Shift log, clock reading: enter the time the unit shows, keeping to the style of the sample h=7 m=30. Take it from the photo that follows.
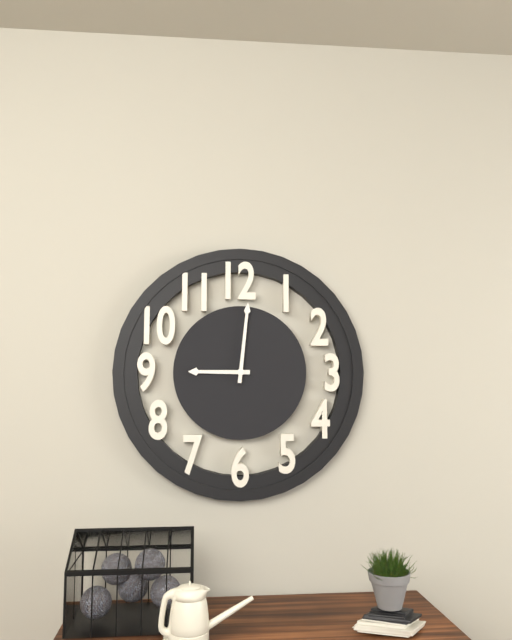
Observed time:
h=9 m=1
